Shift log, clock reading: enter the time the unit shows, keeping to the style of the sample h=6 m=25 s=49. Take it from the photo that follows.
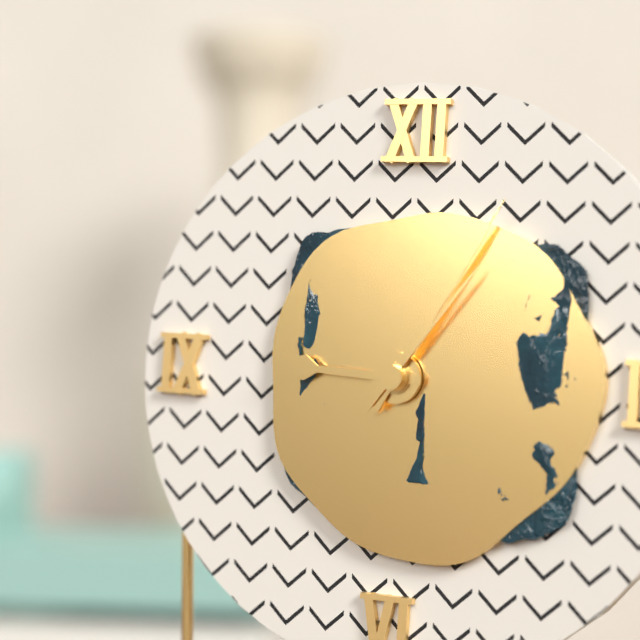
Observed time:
h=9 m=5 s=6
